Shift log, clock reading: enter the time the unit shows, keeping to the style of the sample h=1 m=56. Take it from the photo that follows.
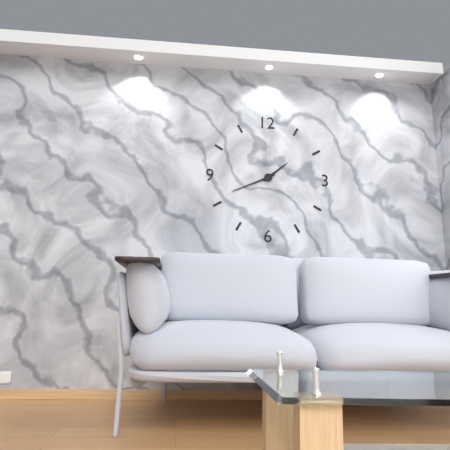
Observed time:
h=1 m=41
